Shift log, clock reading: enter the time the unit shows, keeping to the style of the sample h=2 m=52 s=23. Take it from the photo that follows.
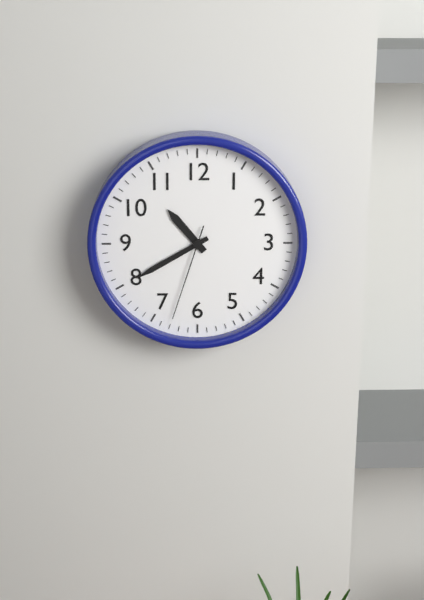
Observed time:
h=10 m=40 s=33
